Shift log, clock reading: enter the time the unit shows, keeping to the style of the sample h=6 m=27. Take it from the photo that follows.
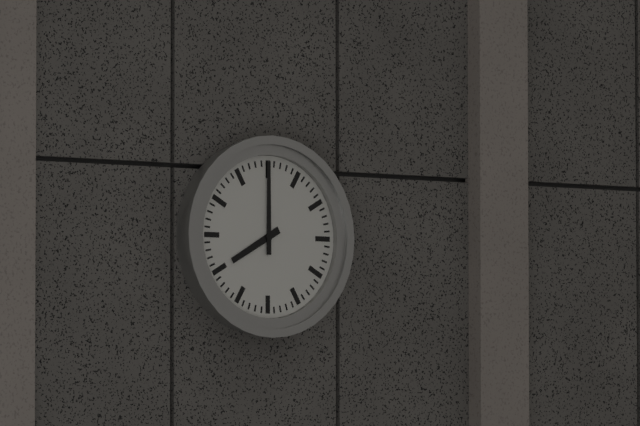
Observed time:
h=8 m=0
